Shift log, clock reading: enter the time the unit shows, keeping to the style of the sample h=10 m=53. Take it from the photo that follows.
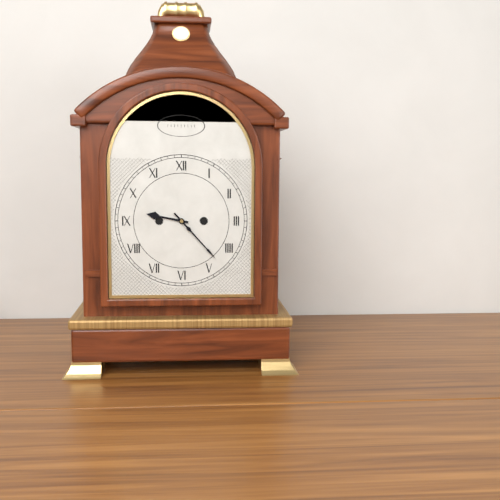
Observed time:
h=9 m=23
